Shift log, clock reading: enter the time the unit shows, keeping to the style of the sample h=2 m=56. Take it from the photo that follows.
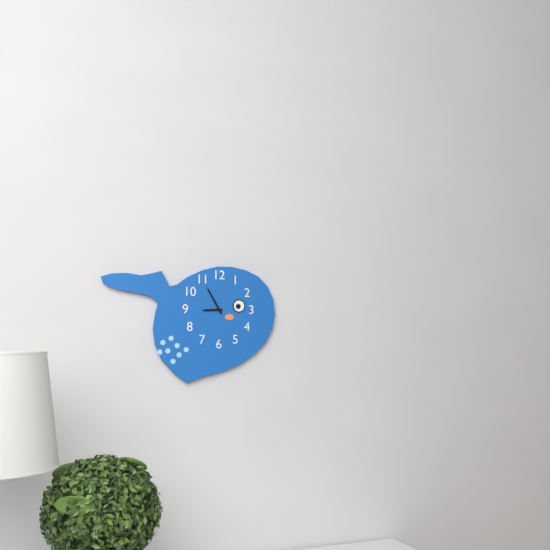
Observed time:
h=8 m=55
